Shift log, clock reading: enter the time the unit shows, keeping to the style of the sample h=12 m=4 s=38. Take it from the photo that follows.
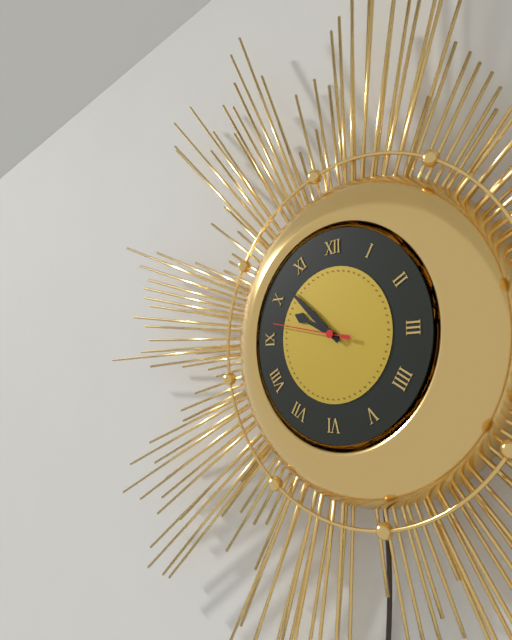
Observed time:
h=9 m=52 s=47
